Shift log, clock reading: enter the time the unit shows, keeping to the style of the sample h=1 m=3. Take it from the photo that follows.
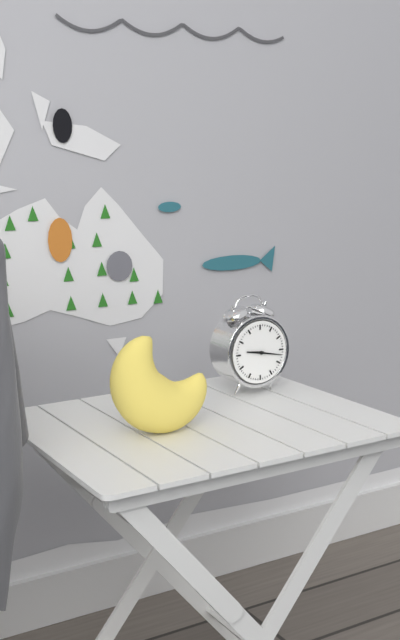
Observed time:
h=9 m=17
